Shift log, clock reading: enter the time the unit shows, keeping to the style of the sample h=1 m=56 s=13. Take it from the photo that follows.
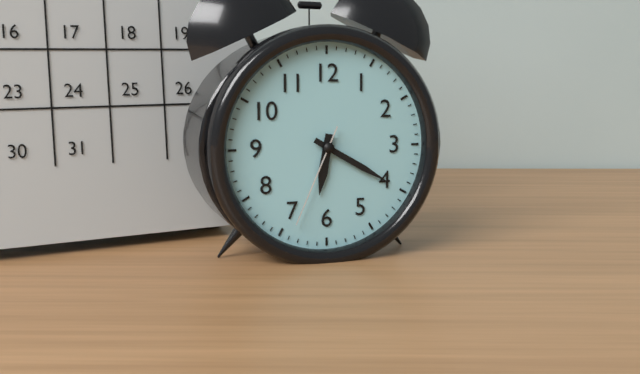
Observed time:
h=6 m=20 s=34
